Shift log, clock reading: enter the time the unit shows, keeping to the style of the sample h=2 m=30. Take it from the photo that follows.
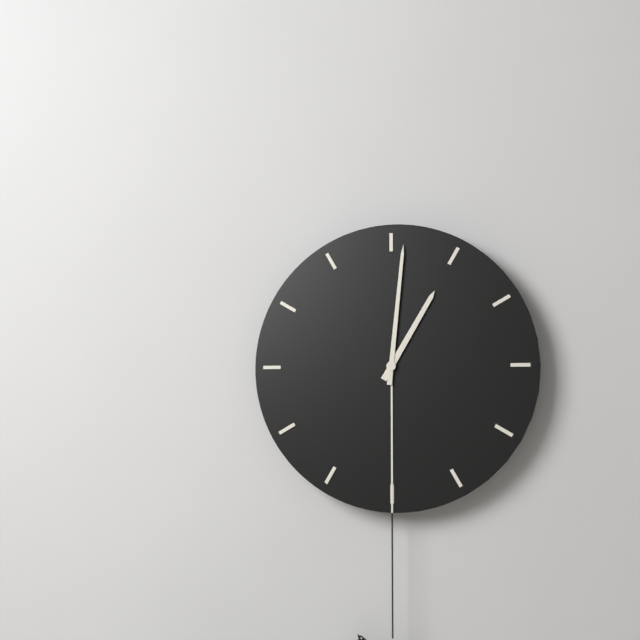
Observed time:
h=1 m=1
